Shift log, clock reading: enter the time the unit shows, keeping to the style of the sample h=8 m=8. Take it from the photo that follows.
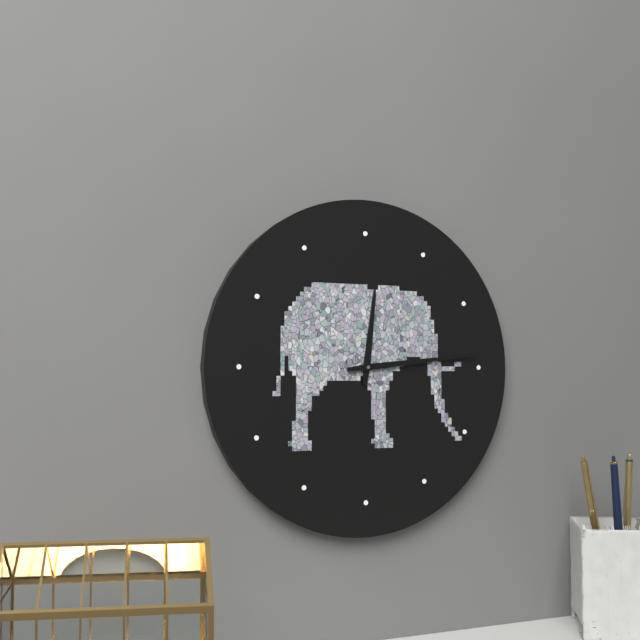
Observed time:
h=12 m=14
